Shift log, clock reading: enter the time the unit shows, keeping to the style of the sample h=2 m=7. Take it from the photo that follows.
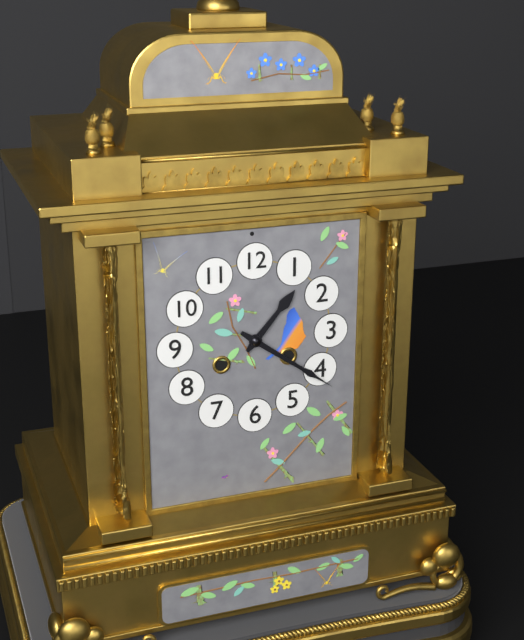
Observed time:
h=1 m=21
